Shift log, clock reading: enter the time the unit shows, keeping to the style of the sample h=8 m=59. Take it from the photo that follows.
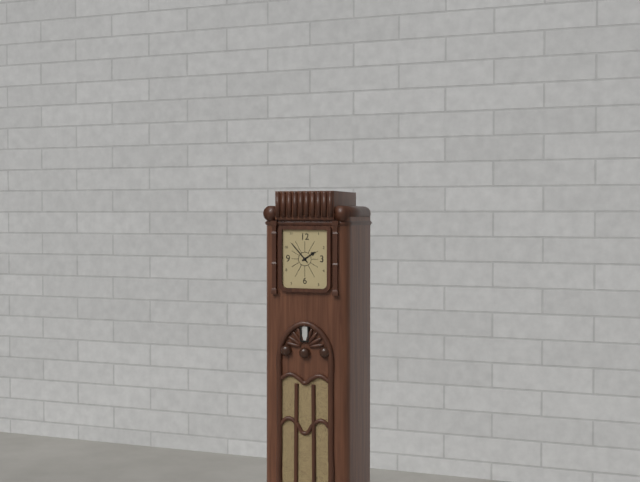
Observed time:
h=1 m=53
